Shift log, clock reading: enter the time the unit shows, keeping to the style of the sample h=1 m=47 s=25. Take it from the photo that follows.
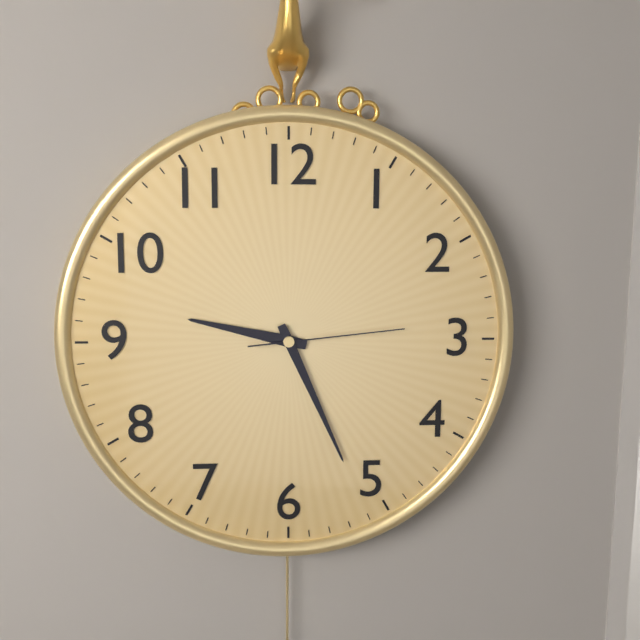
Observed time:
h=9 m=26 s=14
